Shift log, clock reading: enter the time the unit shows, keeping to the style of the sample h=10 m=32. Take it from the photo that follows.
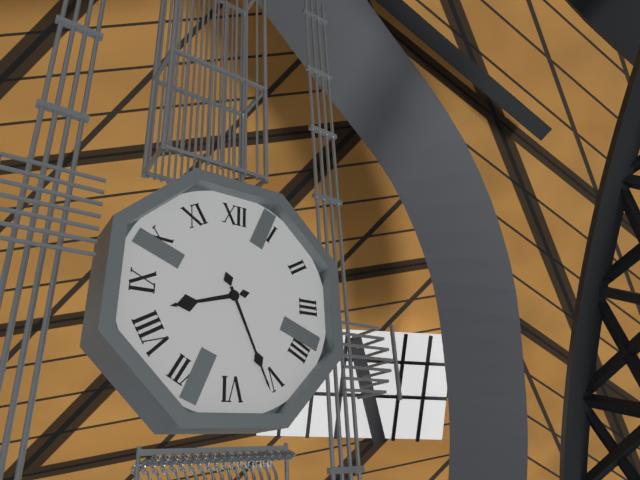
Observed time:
h=8 m=26
